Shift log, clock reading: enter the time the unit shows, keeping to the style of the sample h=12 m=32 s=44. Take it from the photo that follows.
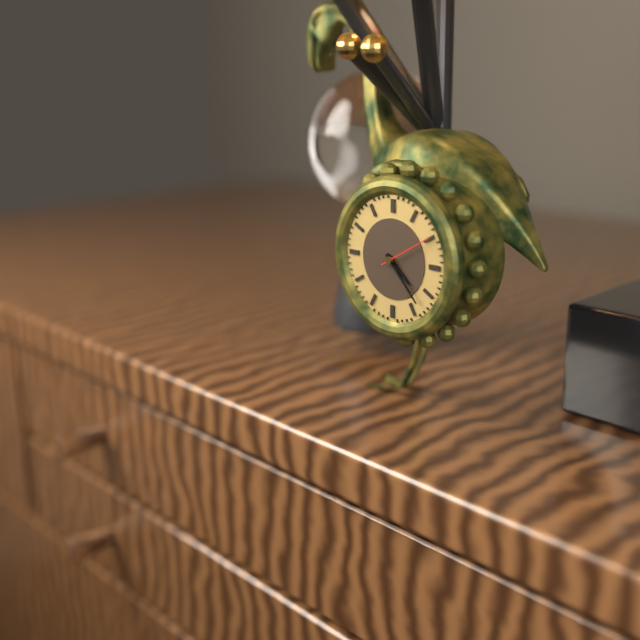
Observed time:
h=4 m=23 s=10
